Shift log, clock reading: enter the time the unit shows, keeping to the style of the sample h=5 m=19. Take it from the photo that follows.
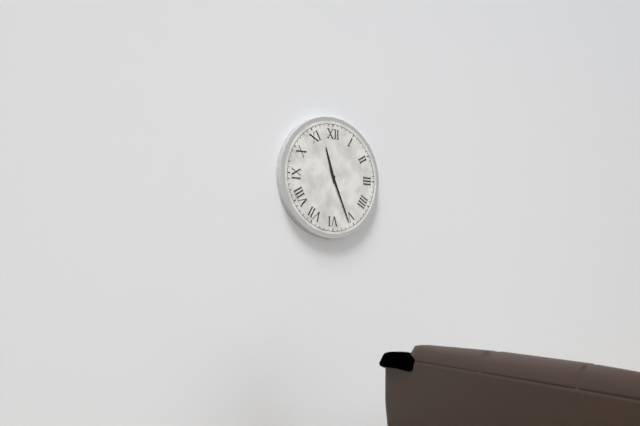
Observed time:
h=11 m=26
